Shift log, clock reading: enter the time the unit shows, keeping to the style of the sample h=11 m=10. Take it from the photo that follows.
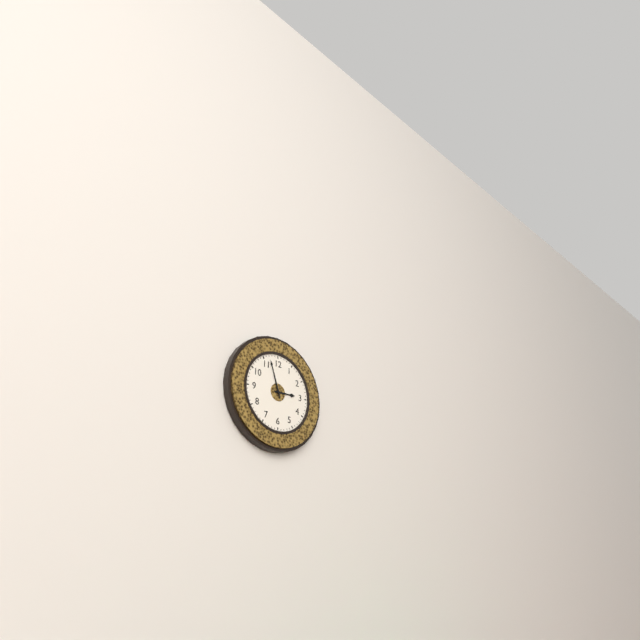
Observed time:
h=2 m=57
